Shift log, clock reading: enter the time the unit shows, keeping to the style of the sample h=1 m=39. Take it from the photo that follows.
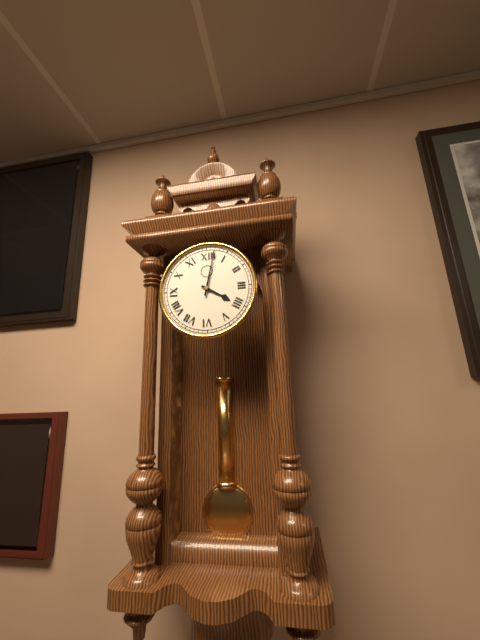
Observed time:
h=4 m=2
